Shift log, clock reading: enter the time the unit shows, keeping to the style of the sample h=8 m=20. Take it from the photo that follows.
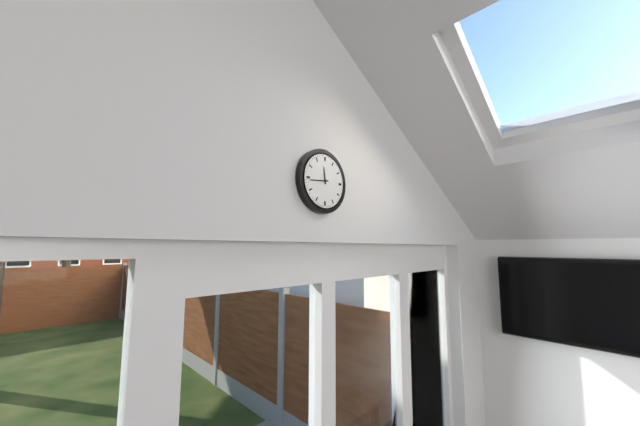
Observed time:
h=11 m=44
